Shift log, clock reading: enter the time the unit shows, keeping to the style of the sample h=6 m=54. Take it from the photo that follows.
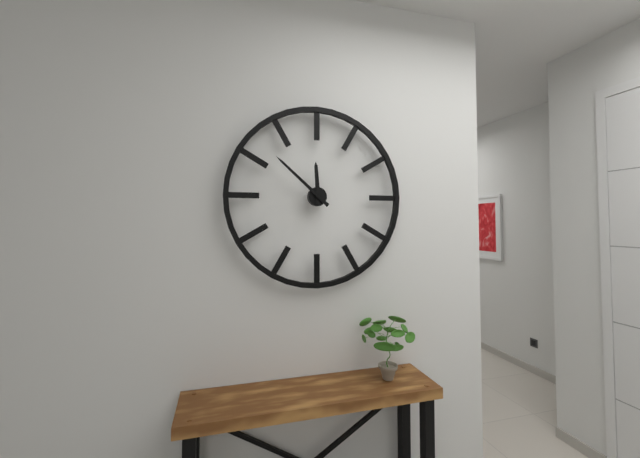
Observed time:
h=11 m=52
